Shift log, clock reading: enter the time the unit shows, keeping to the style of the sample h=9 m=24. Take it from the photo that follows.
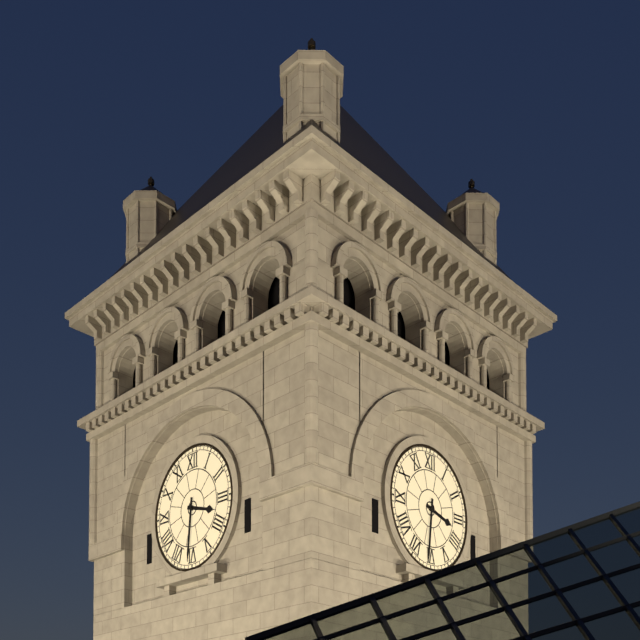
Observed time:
h=3 m=31
